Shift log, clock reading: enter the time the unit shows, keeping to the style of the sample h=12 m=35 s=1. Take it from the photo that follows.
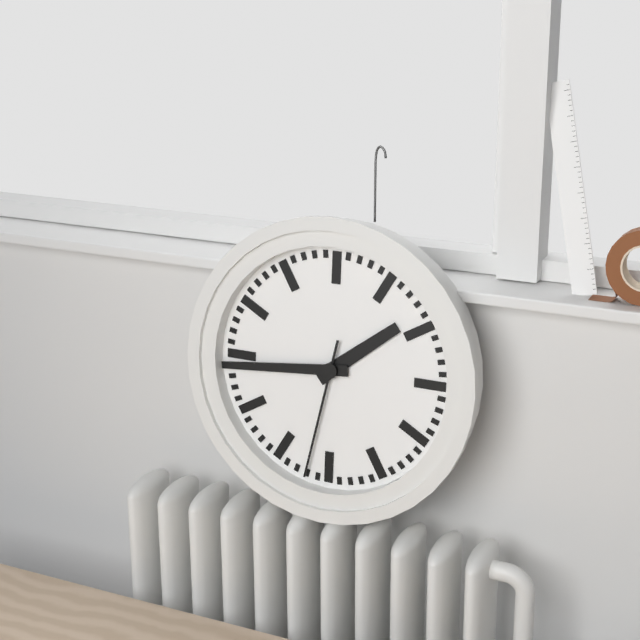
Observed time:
h=1 m=44 s=32
